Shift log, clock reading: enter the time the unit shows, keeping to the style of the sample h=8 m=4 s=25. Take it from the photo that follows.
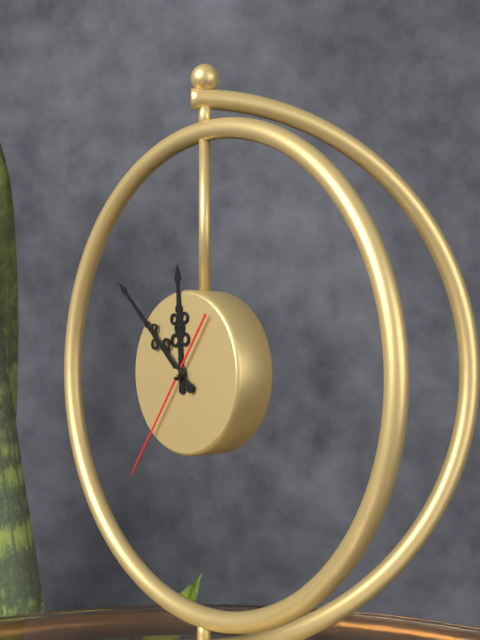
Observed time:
h=11 m=52 s=36
